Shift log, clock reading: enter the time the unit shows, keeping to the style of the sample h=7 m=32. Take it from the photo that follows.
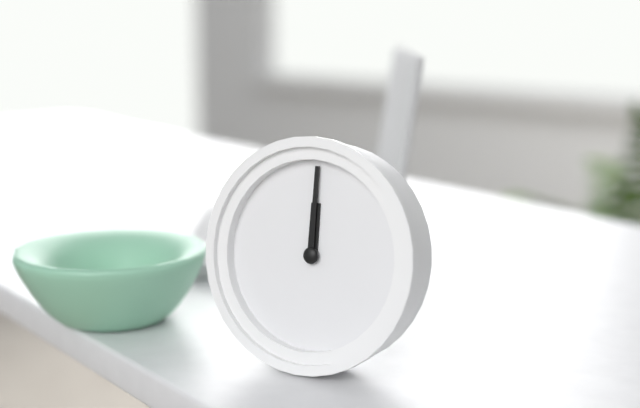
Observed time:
h=12 m=0
